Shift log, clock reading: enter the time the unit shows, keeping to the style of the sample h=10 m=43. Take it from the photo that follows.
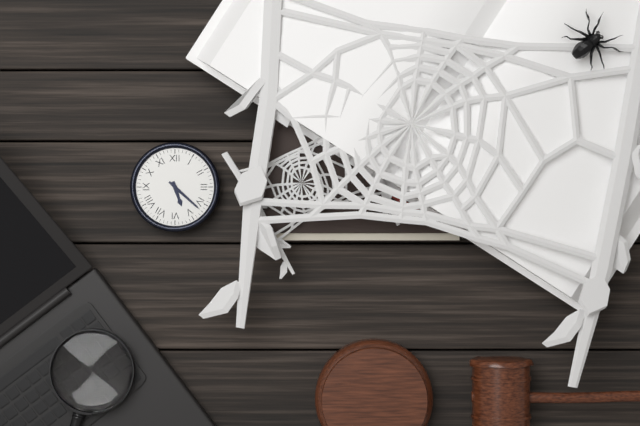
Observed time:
h=5 m=22
